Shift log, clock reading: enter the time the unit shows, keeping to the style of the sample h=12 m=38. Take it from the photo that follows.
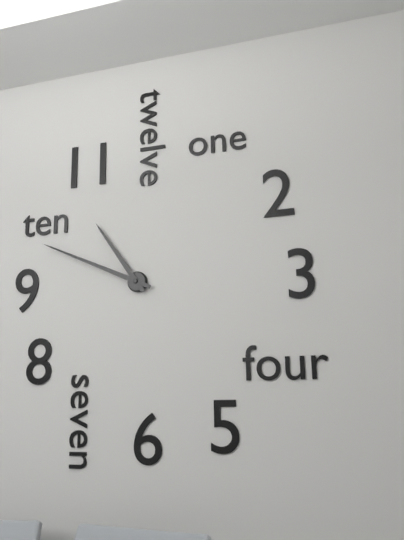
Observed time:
h=10 m=49
